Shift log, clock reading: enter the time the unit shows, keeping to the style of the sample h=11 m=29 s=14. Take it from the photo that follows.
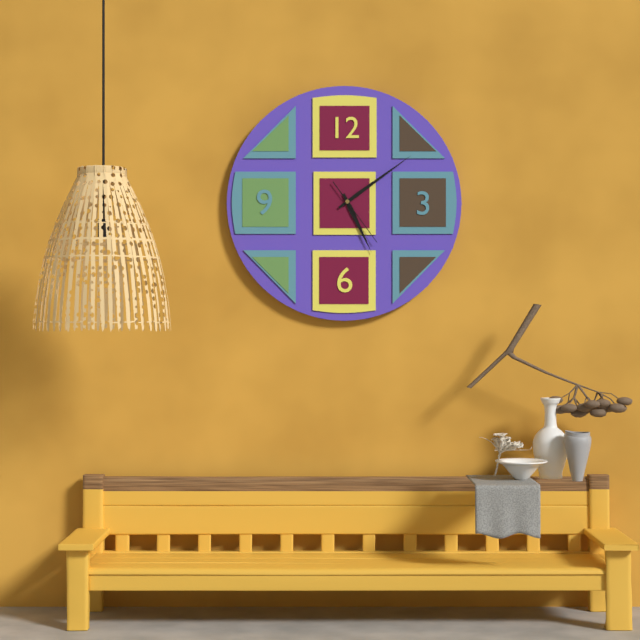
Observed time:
h=5 m=9 s=24
